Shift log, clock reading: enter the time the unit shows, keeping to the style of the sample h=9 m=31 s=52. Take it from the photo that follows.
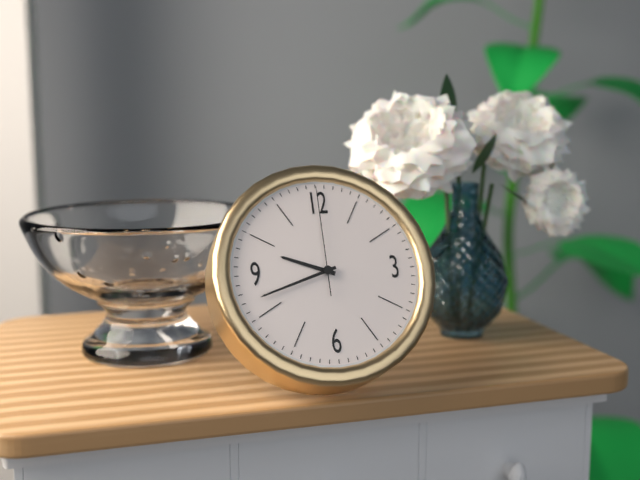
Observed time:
h=9 m=42 s=0
